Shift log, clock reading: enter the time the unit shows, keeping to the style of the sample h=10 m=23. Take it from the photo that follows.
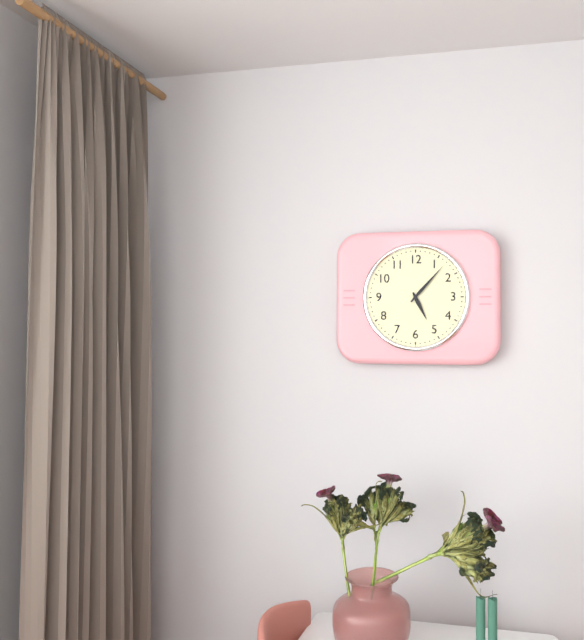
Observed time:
h=5 m=7
